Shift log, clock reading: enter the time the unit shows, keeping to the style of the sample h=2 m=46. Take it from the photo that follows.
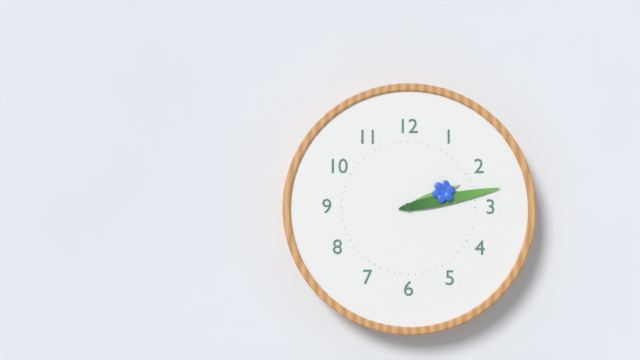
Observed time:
h=2 m=13
